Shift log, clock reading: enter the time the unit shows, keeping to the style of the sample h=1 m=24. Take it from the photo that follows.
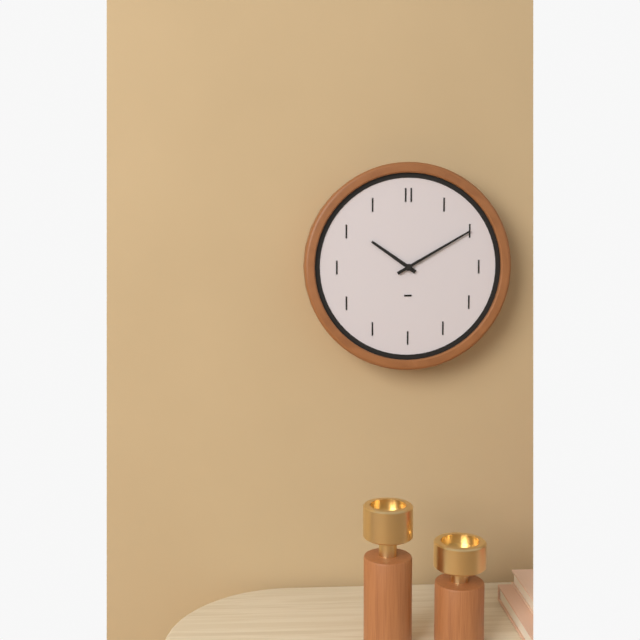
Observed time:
h=10 m=10
